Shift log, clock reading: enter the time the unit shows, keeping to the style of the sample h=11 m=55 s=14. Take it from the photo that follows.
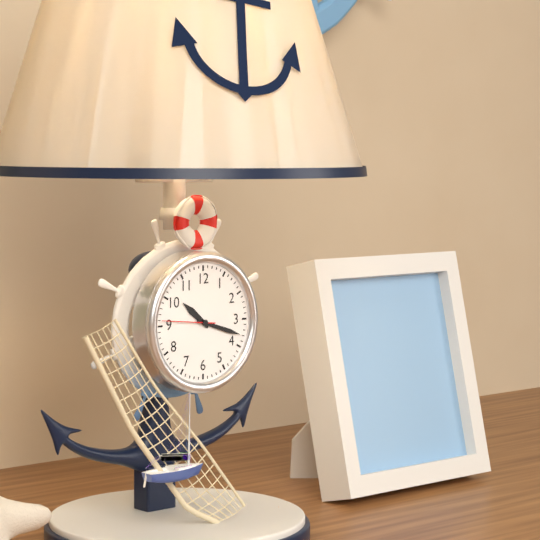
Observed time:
h=10 m=18 s=46
